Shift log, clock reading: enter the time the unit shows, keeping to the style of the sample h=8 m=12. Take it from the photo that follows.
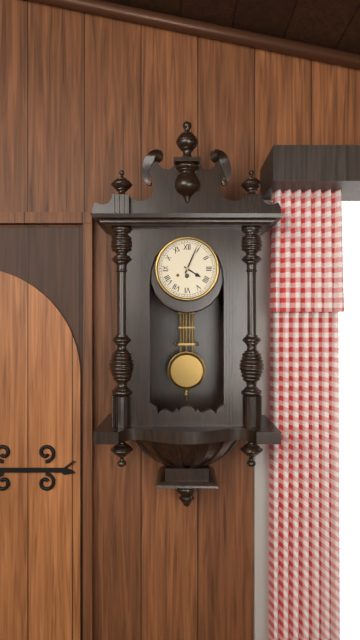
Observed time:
h=4 m=4
